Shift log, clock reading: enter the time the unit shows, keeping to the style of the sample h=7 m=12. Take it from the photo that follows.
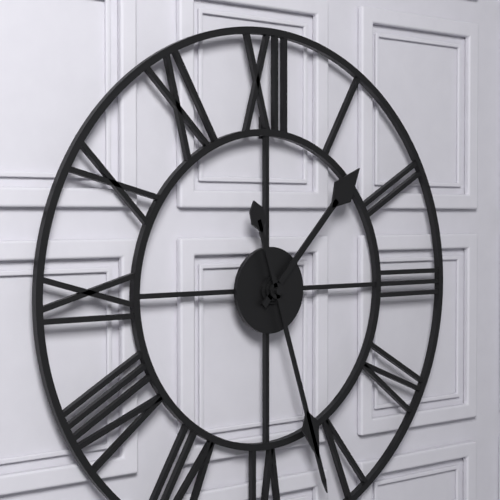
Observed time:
h=1 m=27
